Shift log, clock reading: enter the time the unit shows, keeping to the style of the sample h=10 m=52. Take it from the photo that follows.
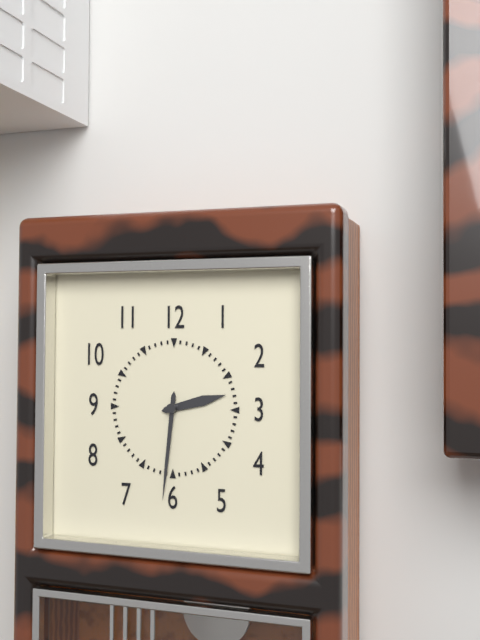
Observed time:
h=2 m=31
